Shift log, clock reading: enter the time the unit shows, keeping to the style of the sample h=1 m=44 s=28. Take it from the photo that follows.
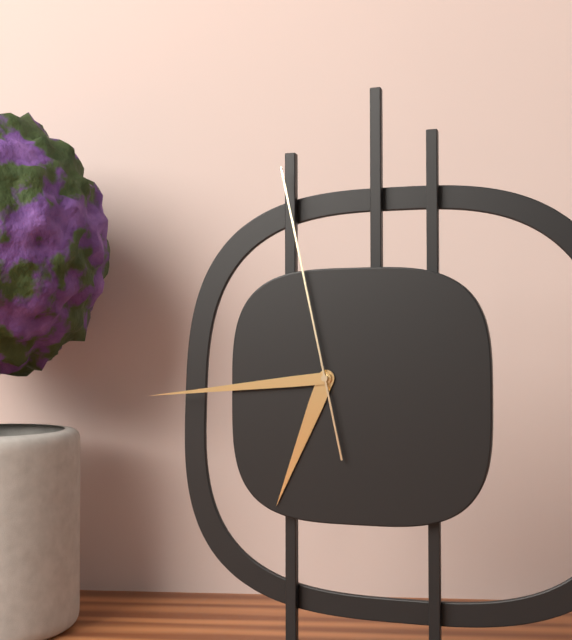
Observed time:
h=6 m=44 s=58
